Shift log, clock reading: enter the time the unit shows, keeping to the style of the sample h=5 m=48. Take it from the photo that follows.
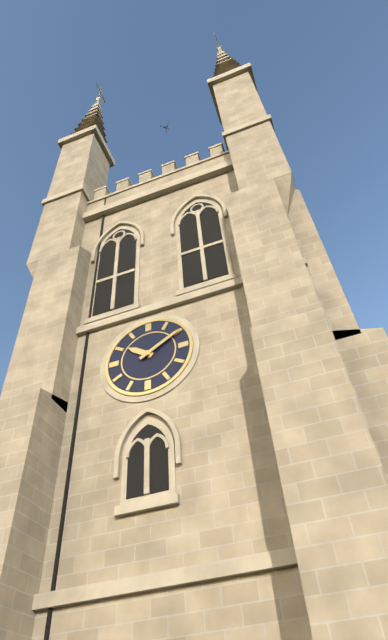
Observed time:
h=10 m=10
